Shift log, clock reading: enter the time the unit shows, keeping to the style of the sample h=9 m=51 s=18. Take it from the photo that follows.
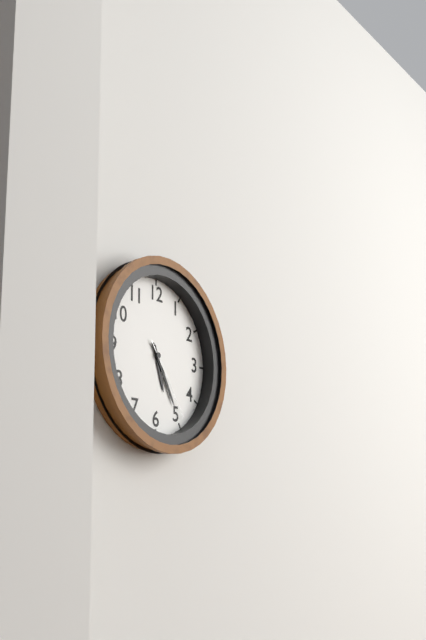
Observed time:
h=5 m=25 s=24
